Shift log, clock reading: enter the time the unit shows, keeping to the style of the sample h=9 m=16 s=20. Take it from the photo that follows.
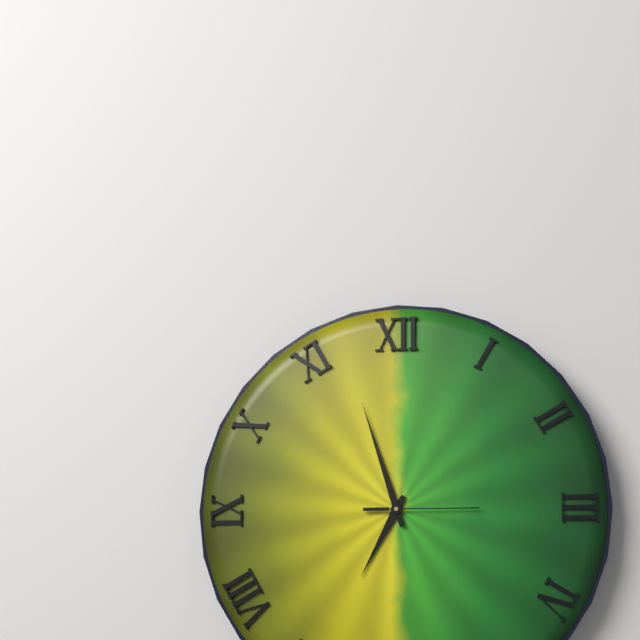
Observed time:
h=6 m=57 s=15
